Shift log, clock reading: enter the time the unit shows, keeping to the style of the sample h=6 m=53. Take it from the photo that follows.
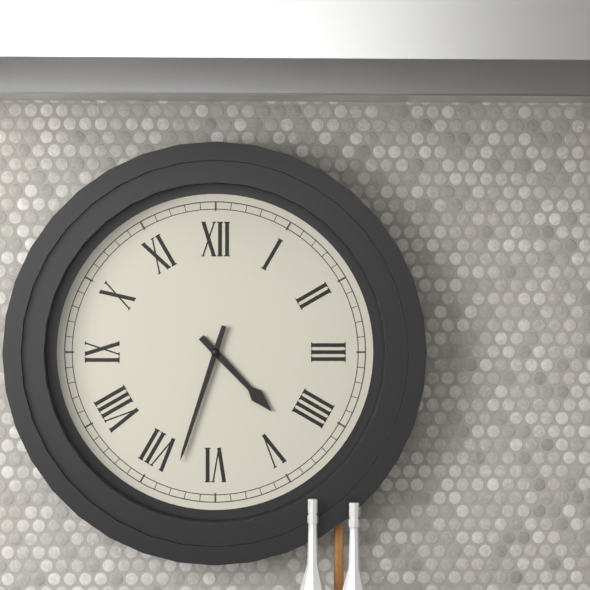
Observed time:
h=4 m=33
